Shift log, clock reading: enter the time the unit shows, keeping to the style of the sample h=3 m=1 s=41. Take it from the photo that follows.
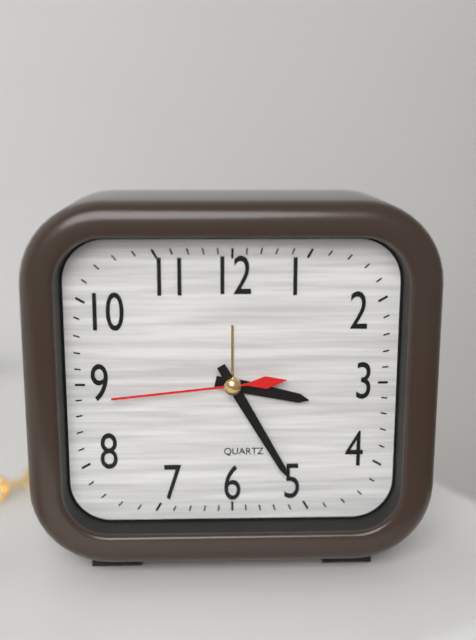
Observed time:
h=3 m=25 s=44
